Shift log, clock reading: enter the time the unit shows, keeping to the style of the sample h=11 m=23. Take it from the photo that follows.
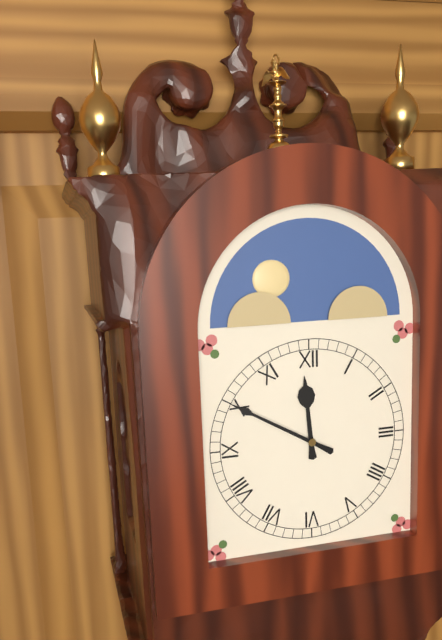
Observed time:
h=11 m=50
